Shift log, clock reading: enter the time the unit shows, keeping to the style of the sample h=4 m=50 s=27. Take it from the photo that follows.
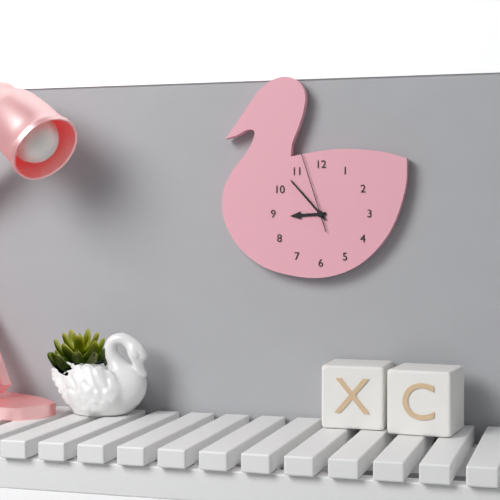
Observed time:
h=8 m=53 s=57
